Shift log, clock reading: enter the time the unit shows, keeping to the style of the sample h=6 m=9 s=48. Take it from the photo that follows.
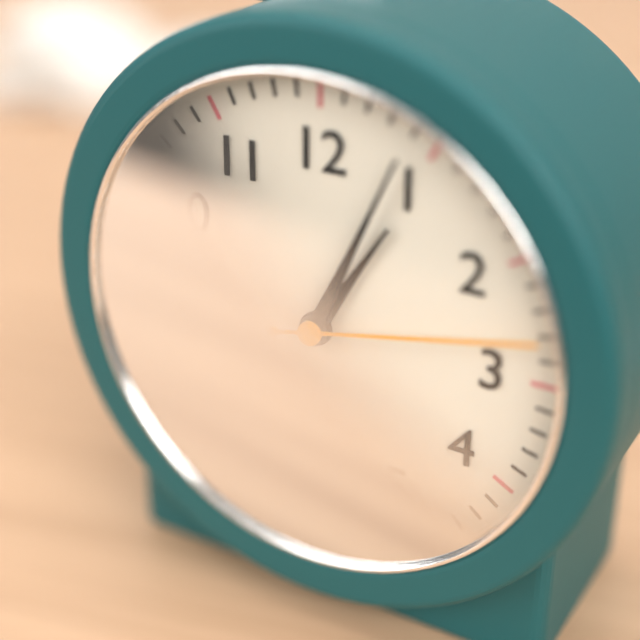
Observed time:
h=1 m=4 s=13
